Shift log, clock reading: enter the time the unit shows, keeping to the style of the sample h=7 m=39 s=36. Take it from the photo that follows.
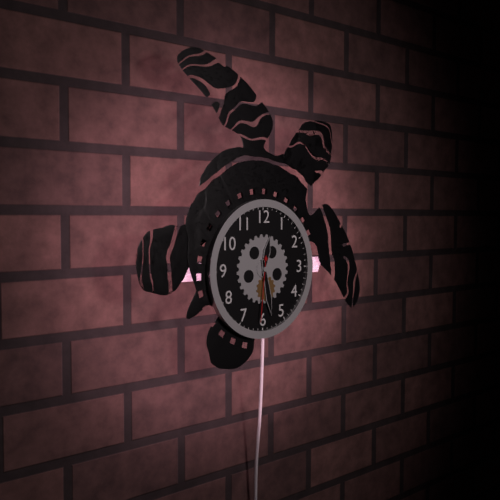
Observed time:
h=12 m=28 s=31
